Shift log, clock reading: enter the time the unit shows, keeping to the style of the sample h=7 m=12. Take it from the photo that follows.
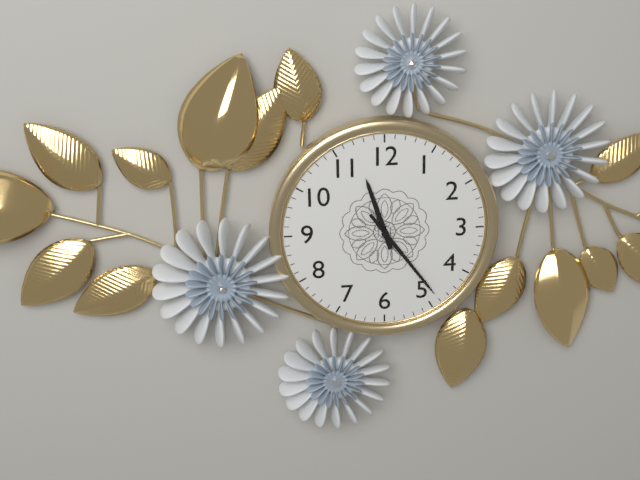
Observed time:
h=11 m=24
